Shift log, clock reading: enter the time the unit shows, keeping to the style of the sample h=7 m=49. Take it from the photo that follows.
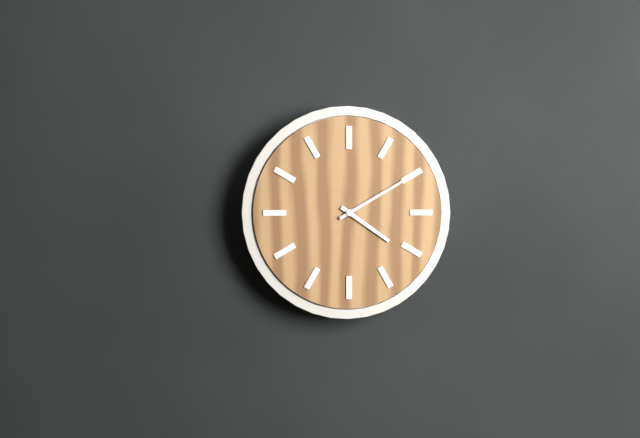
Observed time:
h=4 m=10
